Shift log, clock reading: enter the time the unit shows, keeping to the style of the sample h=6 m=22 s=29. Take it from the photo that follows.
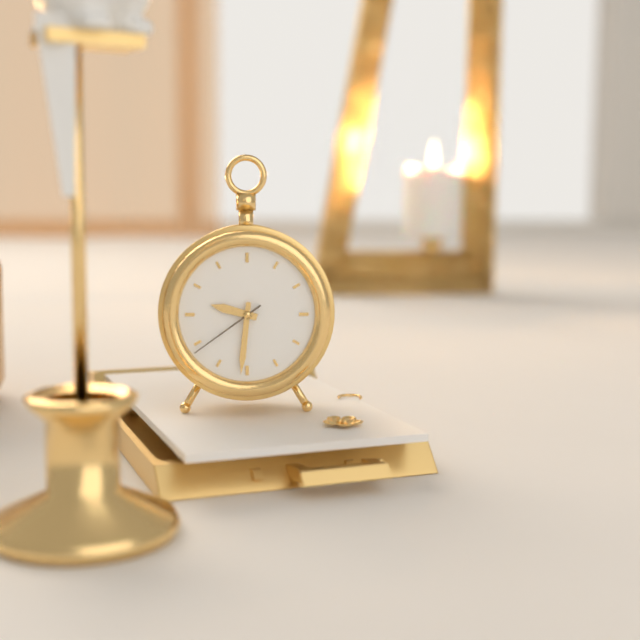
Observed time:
h=9 m=31 s=39
